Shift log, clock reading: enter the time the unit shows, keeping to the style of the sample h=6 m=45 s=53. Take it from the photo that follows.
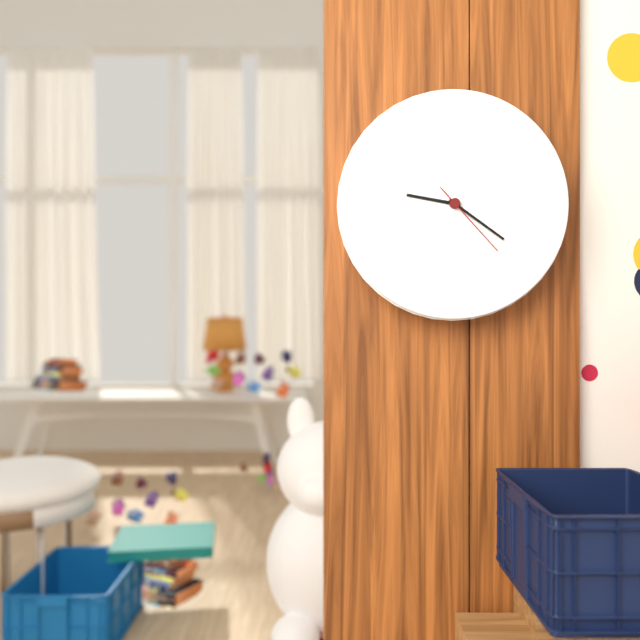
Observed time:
h=9 m=21 s=23
